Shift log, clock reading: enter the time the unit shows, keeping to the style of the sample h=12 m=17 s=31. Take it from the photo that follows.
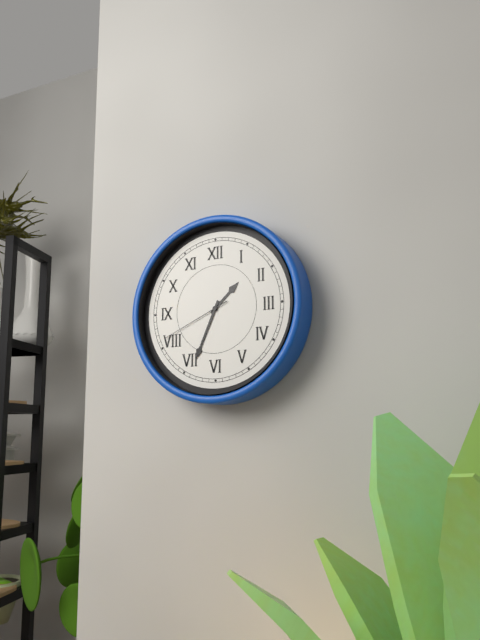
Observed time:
h=1 m=34 s=41
